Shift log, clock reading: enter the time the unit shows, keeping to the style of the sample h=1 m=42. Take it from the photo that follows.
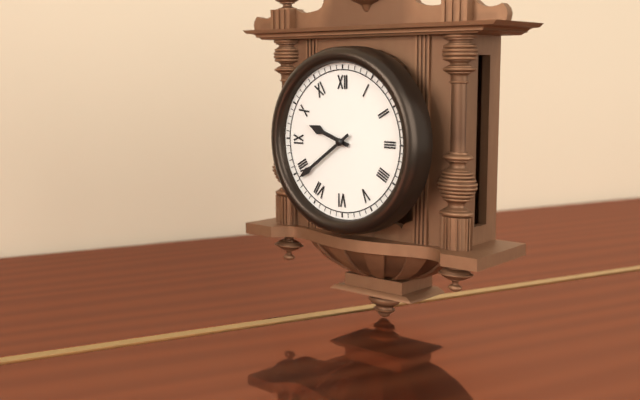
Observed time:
h=9 m=39
